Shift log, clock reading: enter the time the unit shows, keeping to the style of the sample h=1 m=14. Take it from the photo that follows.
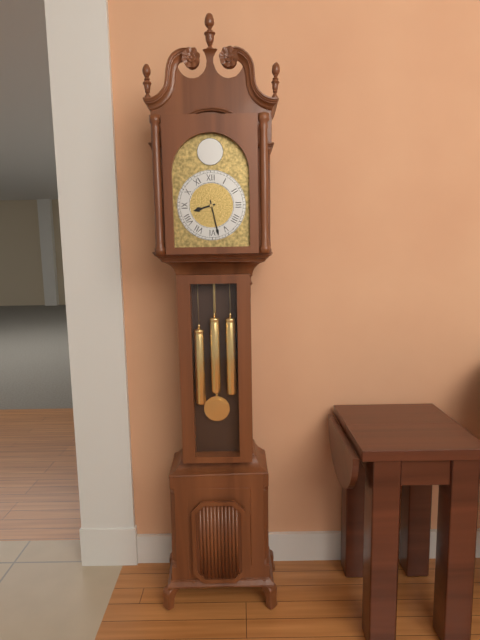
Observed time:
h=8 m=28
